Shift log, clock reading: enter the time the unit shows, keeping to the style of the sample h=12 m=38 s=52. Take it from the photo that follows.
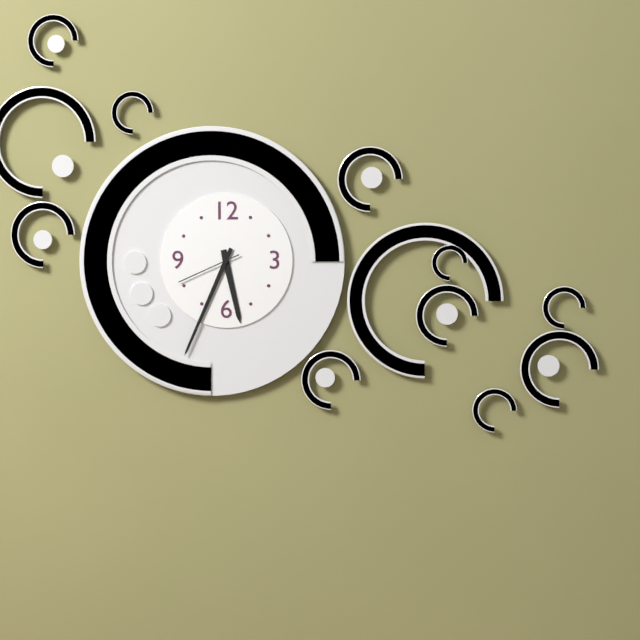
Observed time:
h=5 m=34 s=41
